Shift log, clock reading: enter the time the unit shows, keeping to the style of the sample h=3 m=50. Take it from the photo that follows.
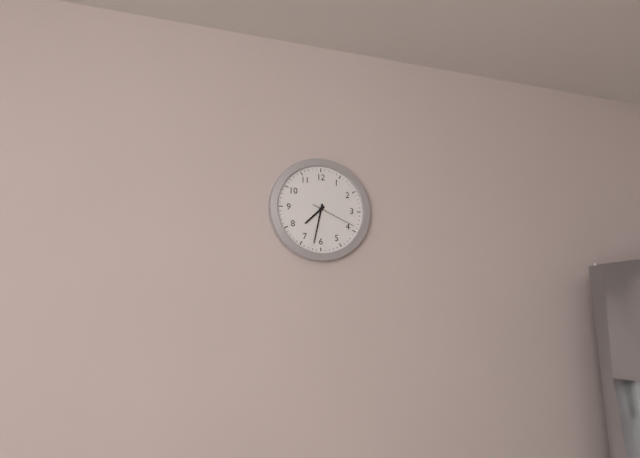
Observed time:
h=7 m=32
